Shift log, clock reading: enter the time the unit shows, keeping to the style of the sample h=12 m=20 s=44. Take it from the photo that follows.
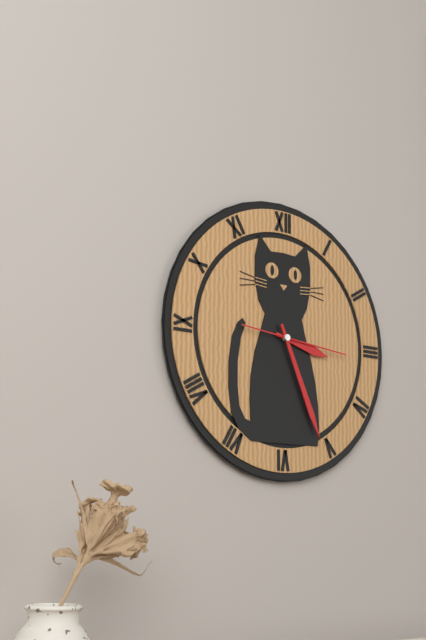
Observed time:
h=3 m=26 s=16
